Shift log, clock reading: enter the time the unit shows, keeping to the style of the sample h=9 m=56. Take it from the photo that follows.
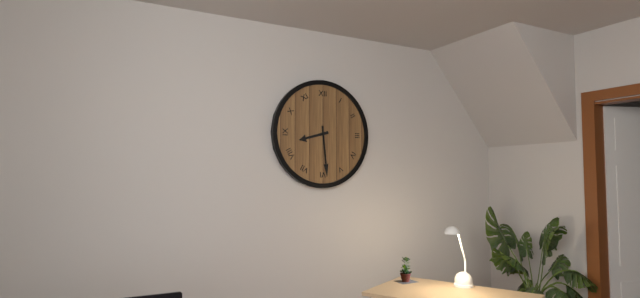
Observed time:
h=8 m=29
